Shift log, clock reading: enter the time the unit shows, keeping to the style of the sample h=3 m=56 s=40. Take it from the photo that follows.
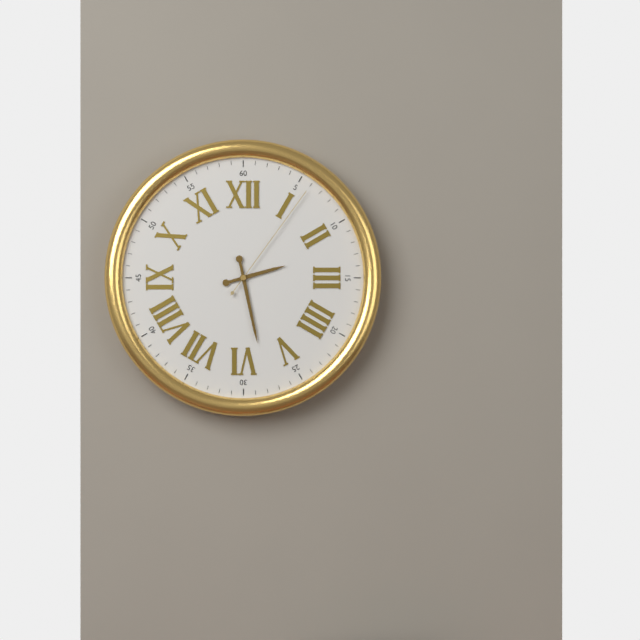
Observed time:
h=2 m=28 s=6
